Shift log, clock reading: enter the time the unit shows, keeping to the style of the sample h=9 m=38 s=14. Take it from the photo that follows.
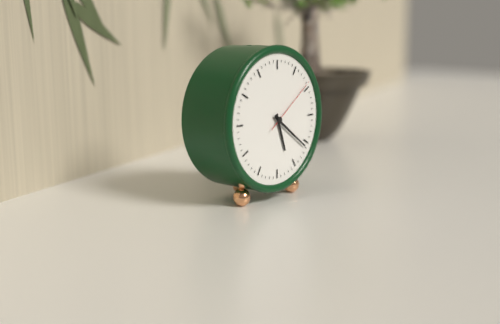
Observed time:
h=5 m=21 s=9
